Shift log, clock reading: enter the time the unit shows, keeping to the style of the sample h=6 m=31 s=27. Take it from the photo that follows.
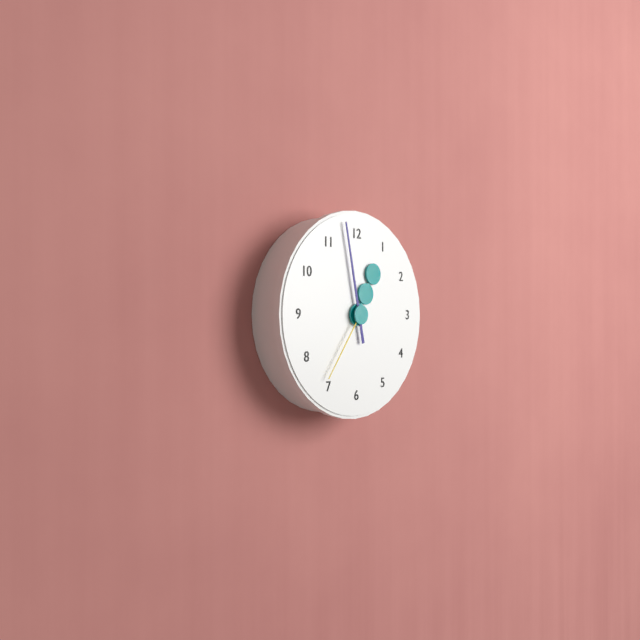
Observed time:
h=12 m=58 s=36
